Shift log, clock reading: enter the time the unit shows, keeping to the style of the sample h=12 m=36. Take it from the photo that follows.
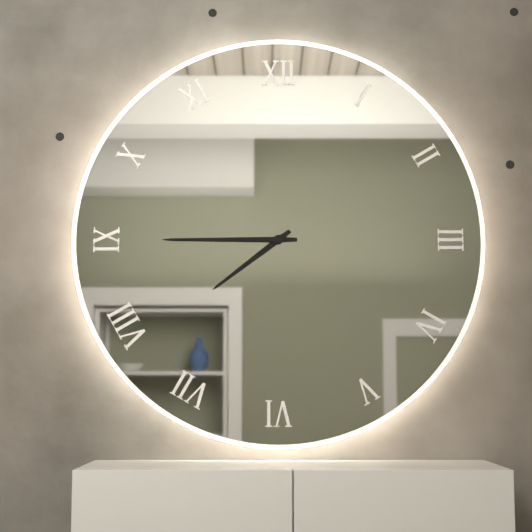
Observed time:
h=7 m=45
